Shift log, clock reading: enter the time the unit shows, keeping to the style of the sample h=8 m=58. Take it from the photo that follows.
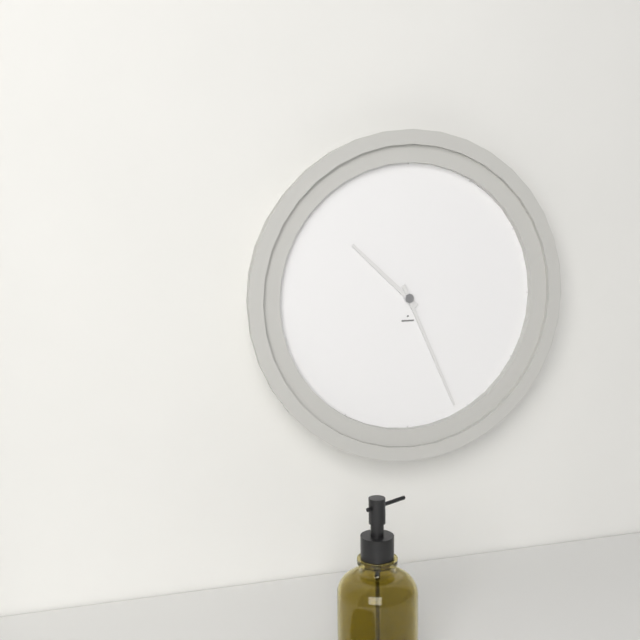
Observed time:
h=10 m=26
